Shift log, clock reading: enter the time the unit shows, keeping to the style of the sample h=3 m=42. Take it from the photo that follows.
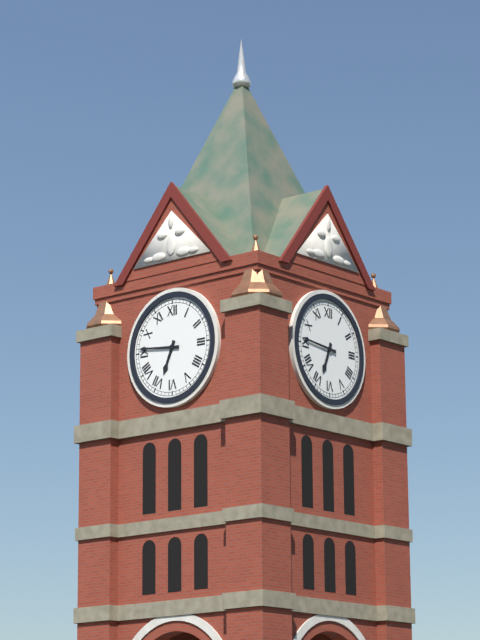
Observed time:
h=6 m=46
